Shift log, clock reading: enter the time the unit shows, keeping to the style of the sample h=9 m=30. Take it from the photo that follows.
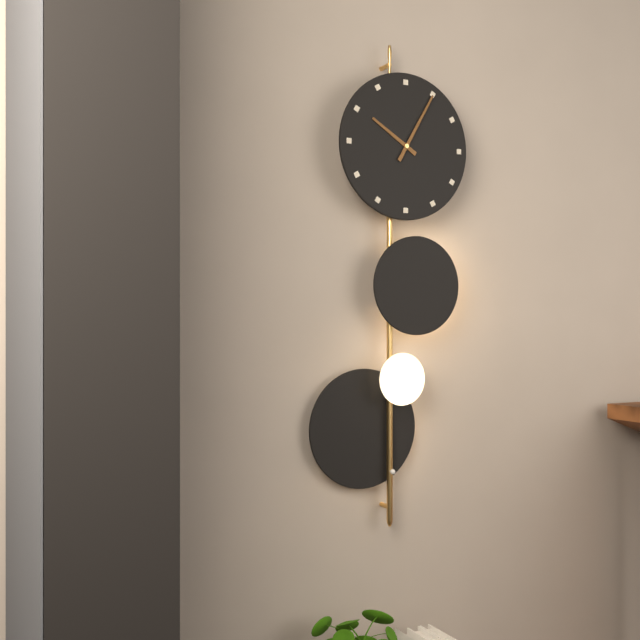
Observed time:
h=10 m=5
